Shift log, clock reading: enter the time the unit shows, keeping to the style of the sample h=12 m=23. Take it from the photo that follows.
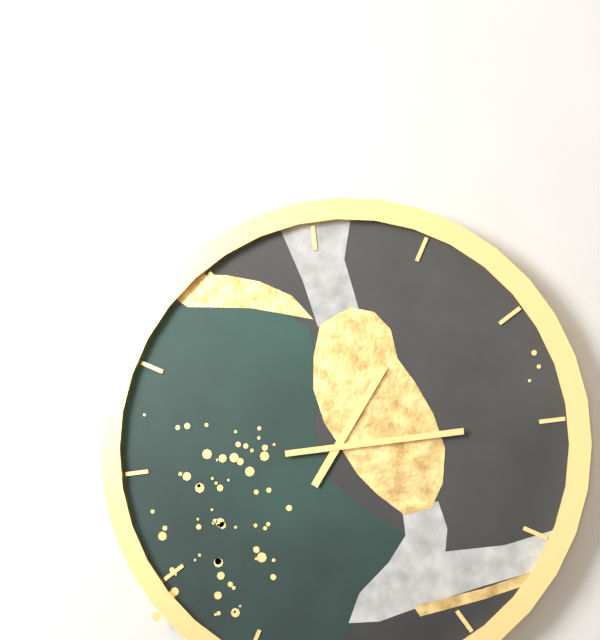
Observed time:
h=1 m=15
